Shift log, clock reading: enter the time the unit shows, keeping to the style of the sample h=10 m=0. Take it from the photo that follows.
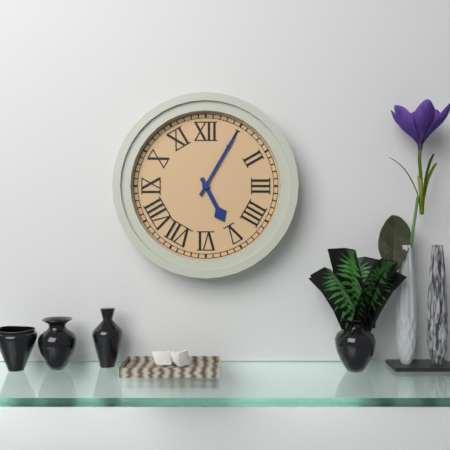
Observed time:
h=5 m=5
